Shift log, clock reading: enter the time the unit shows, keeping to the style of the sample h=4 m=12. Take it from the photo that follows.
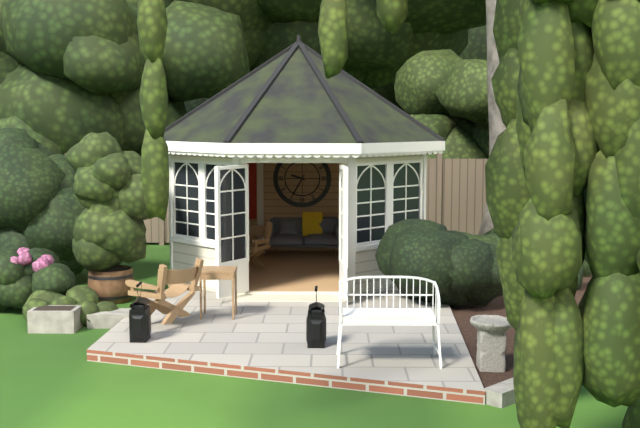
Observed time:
h=9 m=35
